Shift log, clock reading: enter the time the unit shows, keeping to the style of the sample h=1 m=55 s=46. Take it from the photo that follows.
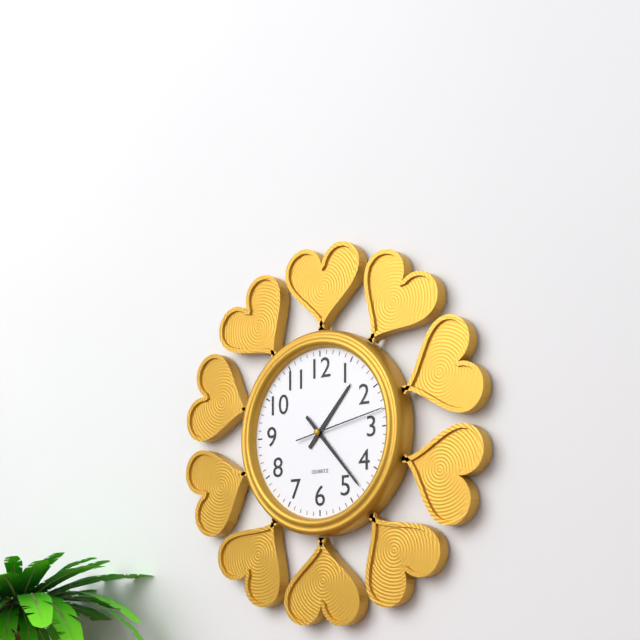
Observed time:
h=1 m=23 s=13
